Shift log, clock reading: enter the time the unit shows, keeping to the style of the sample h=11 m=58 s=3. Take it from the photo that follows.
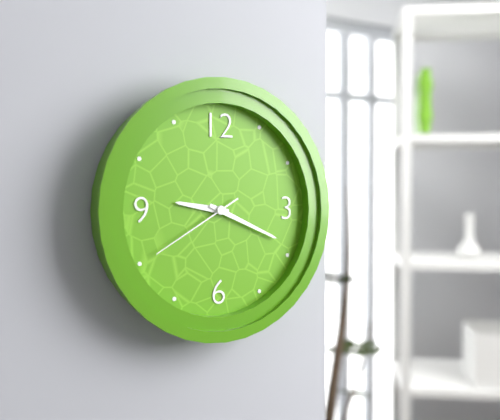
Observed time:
h=9 m=19 s=40
